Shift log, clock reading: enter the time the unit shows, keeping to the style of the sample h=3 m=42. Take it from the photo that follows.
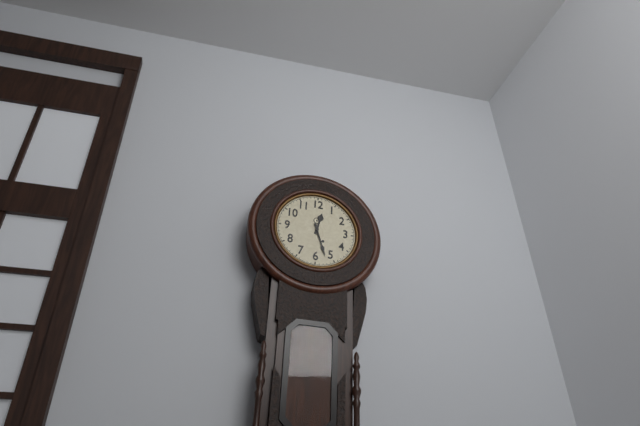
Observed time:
h=12 m=27
